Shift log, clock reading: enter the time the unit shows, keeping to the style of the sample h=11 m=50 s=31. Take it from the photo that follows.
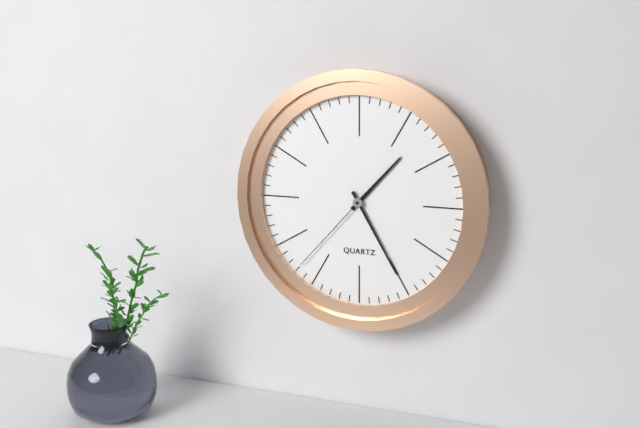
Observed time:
h=1 m=25 s=37
